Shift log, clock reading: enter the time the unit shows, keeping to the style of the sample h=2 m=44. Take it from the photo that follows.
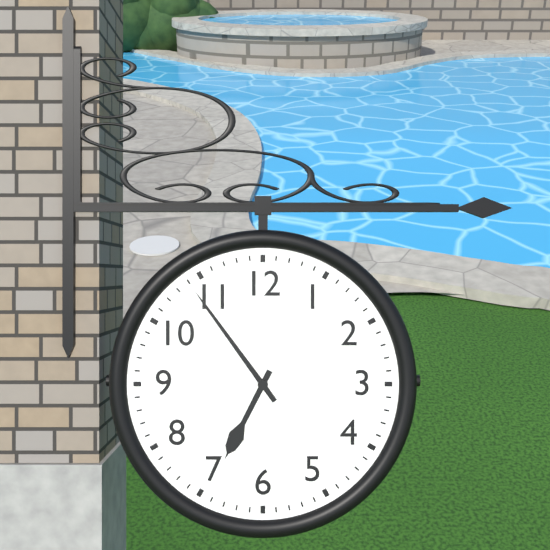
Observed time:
h=6 m=54
